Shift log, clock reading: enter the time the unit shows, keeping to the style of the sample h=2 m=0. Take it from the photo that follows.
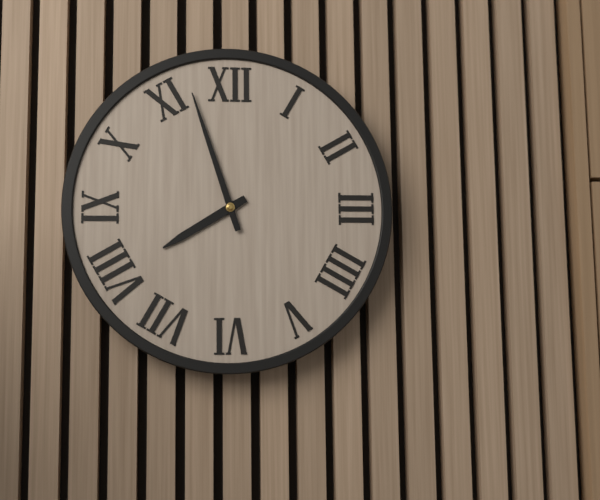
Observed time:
h=7 m=57
